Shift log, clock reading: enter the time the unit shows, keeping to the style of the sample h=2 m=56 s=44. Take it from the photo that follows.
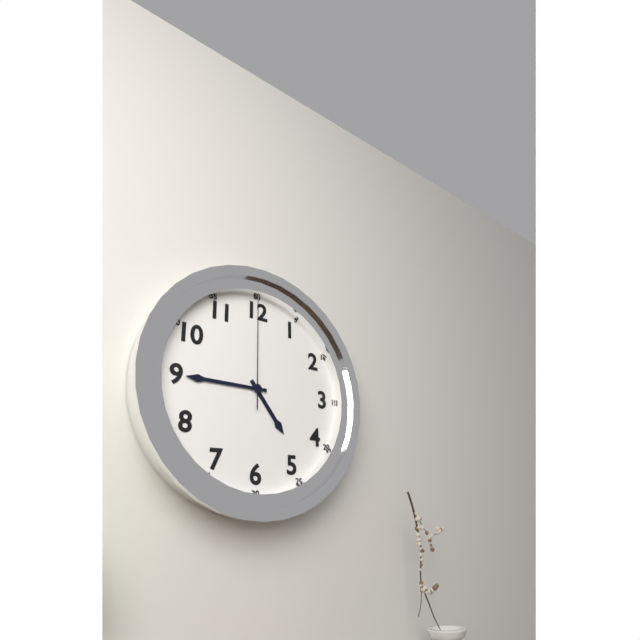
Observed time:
h=4 m=45 s=0
